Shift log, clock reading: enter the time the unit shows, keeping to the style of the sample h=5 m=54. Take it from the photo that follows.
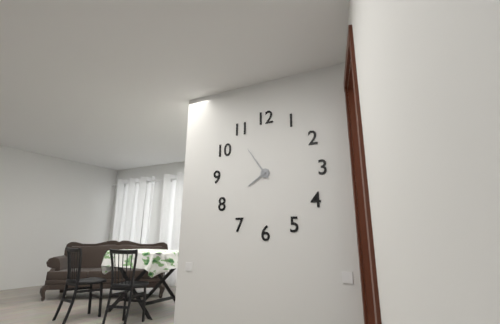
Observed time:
h=7 m=54
